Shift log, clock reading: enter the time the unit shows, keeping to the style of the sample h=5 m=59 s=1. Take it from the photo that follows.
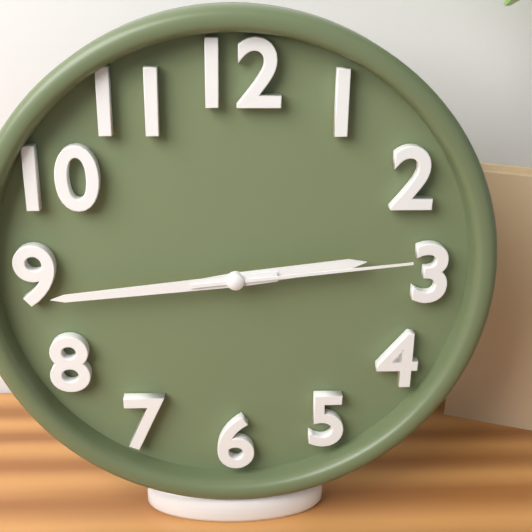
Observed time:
h=2 m=44 s=14
